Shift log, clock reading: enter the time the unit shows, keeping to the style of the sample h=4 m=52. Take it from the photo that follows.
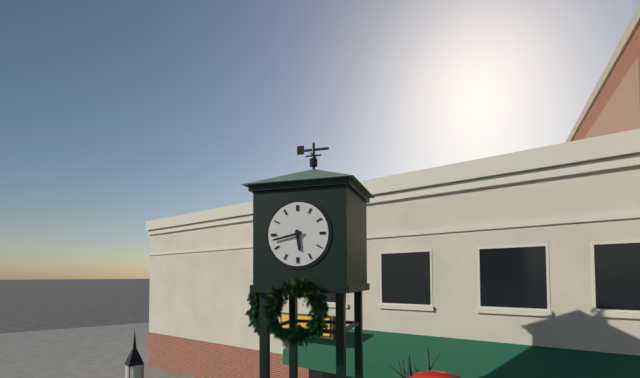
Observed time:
h=5 m=43
